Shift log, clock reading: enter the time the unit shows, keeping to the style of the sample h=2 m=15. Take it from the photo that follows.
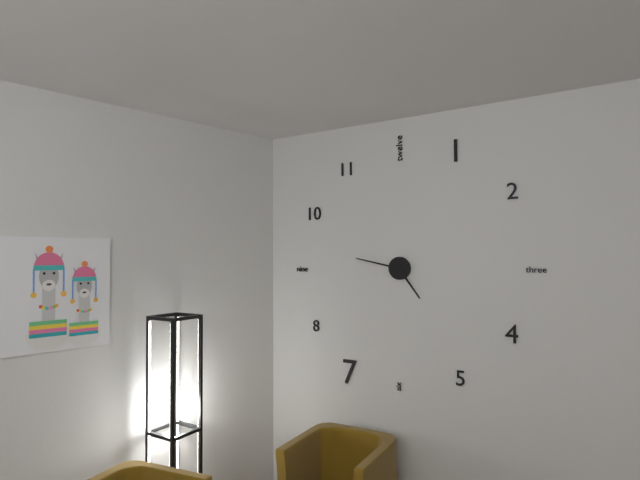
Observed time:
h=4 m=47
